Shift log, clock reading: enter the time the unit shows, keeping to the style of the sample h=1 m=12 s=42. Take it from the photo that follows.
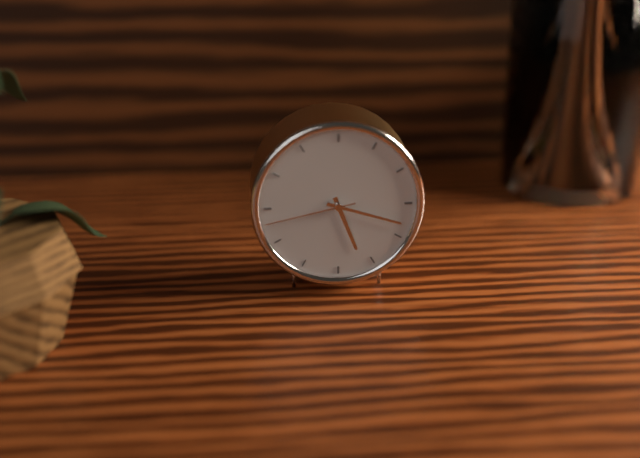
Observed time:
h=5 m=18 s=43
